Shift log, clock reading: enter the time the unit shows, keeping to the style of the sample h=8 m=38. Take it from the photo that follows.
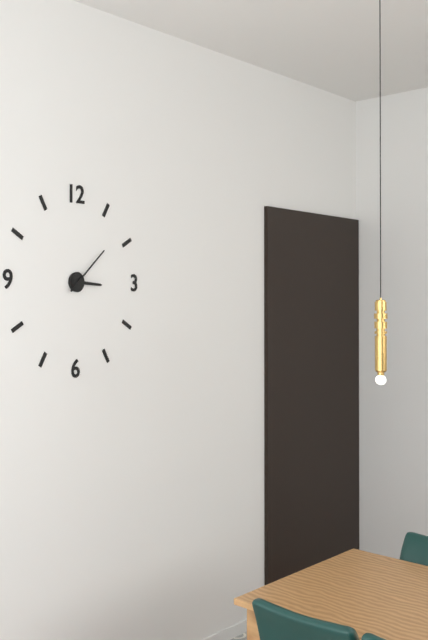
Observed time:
h=3 m=8
